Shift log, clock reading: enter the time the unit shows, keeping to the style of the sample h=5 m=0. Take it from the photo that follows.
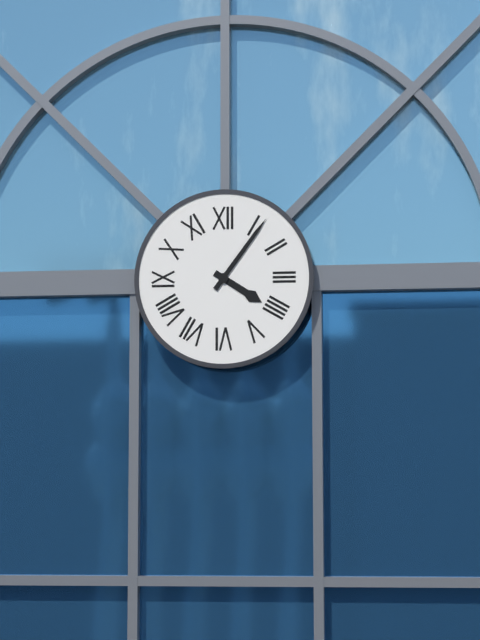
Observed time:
h=4 m=6
